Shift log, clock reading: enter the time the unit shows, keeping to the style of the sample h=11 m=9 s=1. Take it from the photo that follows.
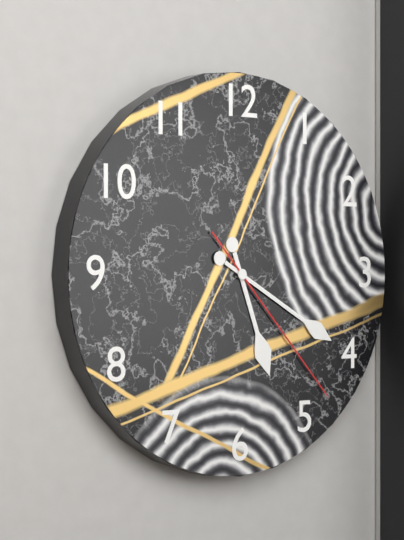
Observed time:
h=5 m=20 s=23
